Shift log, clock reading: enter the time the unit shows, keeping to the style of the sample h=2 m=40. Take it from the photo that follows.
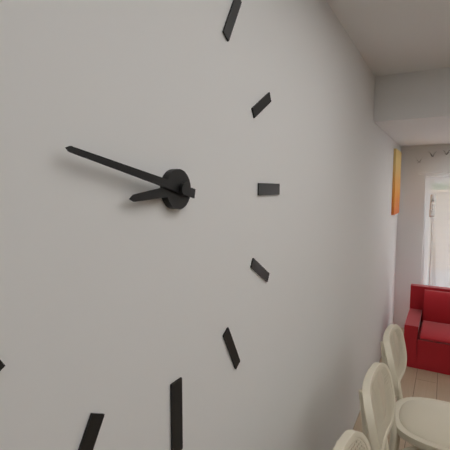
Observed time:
h=8 m=47
